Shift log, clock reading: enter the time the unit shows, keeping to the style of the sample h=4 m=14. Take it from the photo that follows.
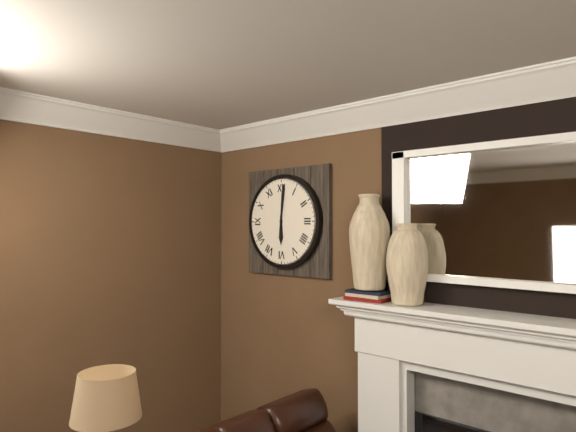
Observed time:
h=6 m=1
